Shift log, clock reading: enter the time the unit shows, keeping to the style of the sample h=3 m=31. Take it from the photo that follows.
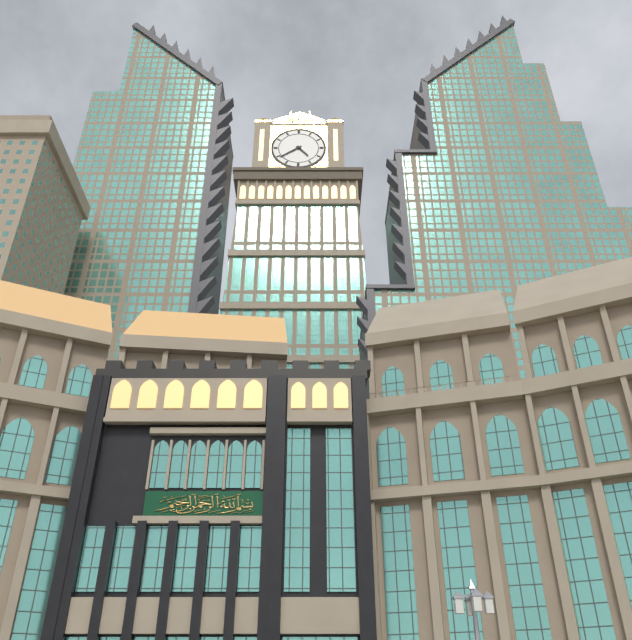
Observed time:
h=4 m=39
